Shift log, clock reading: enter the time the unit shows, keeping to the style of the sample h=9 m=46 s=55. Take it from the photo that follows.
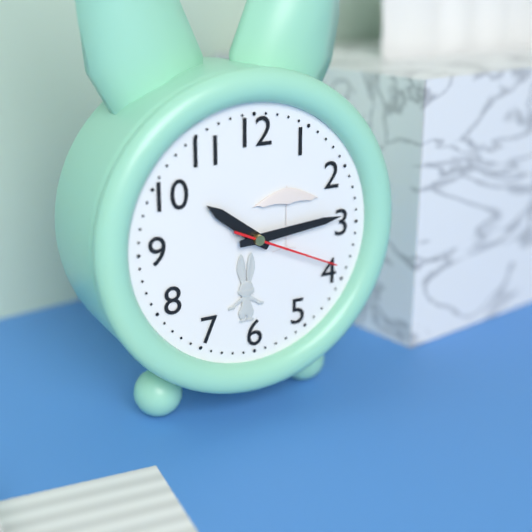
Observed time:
h=10 m=14 s=19
